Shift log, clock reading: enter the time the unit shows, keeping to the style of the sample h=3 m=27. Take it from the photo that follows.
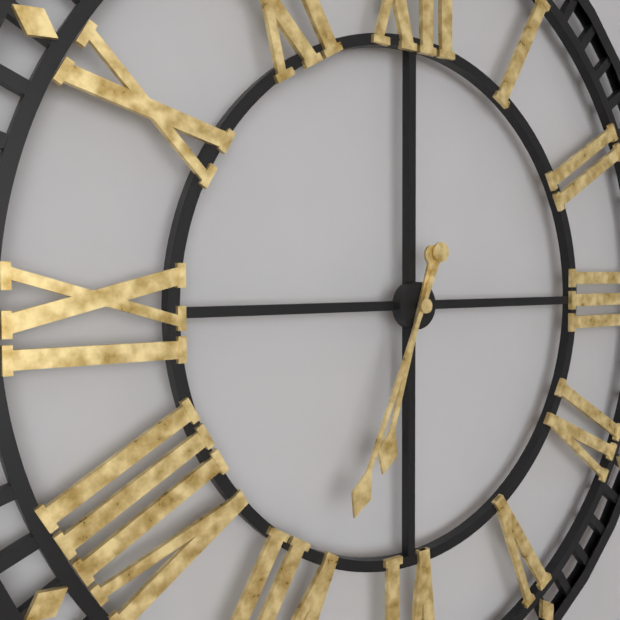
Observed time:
h=6 m=34
